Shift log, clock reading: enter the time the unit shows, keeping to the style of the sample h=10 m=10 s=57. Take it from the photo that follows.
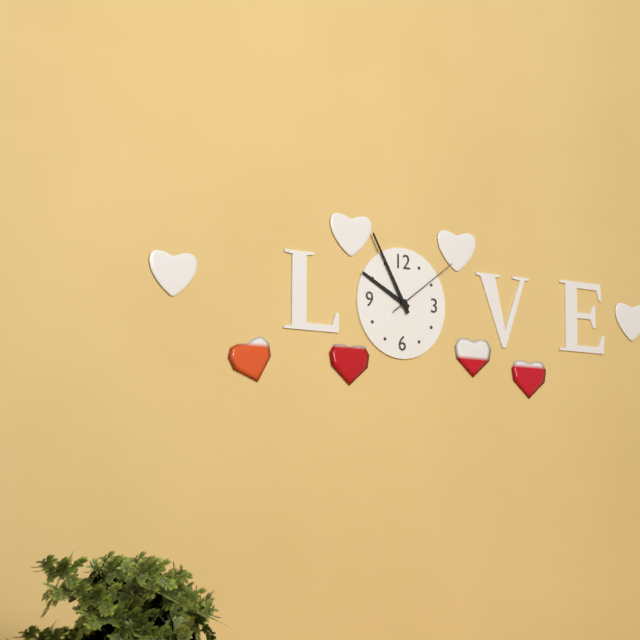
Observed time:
h=9 m=55 s=9
